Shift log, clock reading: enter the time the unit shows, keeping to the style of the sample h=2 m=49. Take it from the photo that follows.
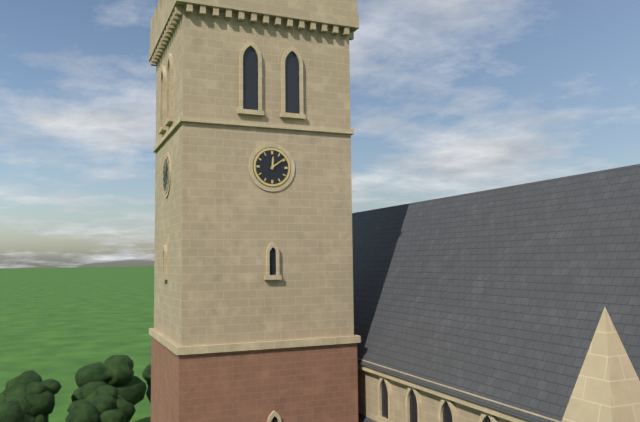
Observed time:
h=12 m=9
